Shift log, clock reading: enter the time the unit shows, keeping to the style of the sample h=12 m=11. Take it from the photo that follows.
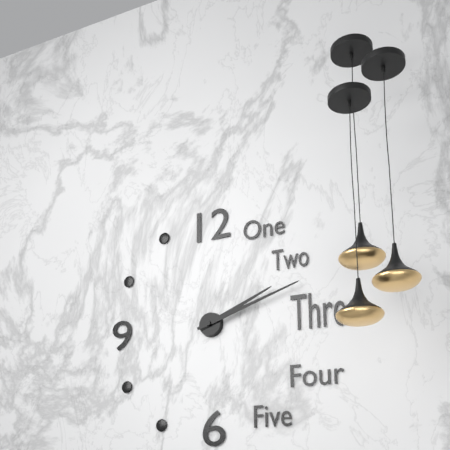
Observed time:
h=2 m=12
